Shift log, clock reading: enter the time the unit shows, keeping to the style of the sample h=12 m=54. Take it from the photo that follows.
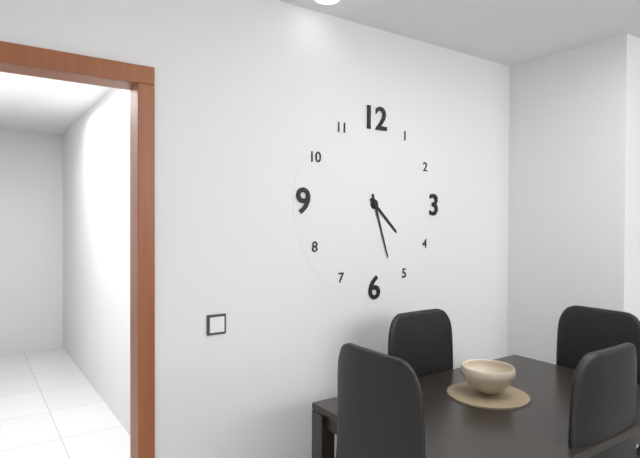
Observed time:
h=4 m=27
